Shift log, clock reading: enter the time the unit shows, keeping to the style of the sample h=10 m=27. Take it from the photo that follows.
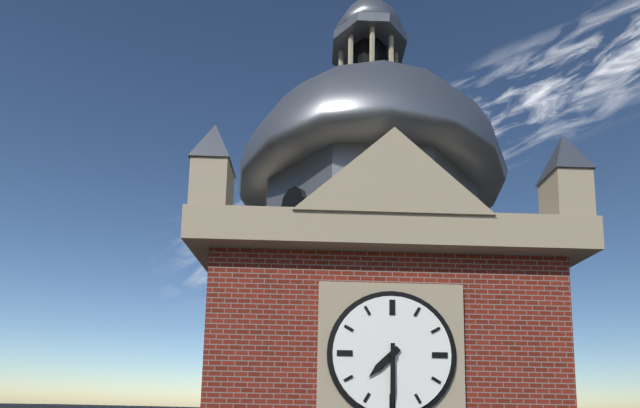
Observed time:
h=7 m=30
